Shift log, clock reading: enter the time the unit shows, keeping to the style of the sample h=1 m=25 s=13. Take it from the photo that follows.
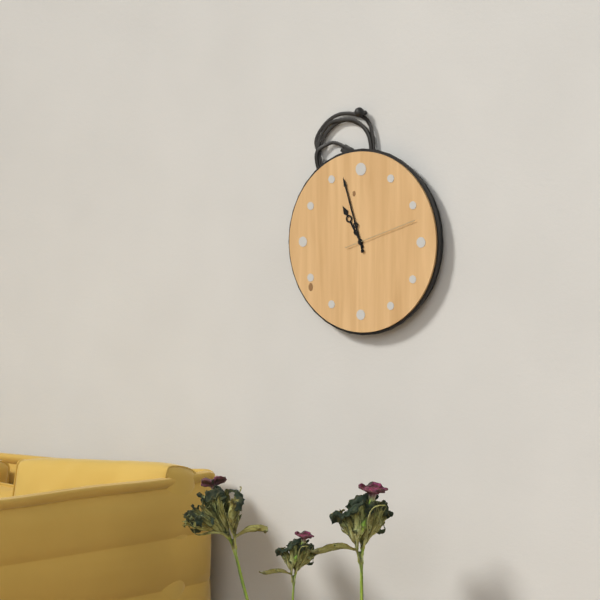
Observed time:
h=10 m=57 s=12
